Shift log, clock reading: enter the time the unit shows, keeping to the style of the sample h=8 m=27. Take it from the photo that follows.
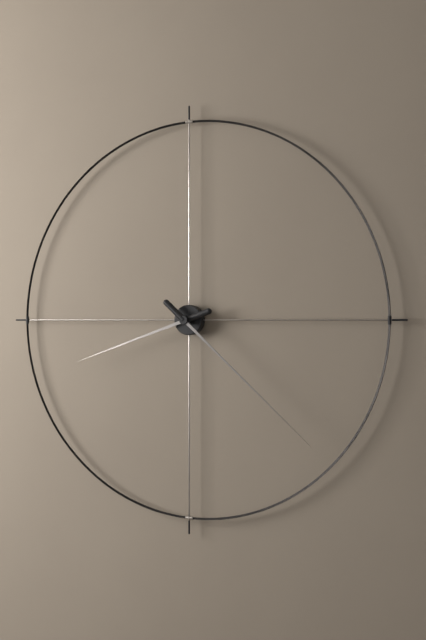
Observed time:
h=8 m=22
